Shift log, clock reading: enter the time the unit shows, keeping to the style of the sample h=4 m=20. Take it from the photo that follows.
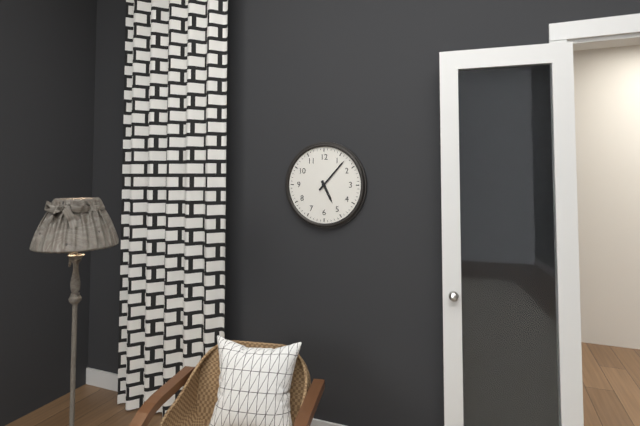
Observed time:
h=5 m=7
